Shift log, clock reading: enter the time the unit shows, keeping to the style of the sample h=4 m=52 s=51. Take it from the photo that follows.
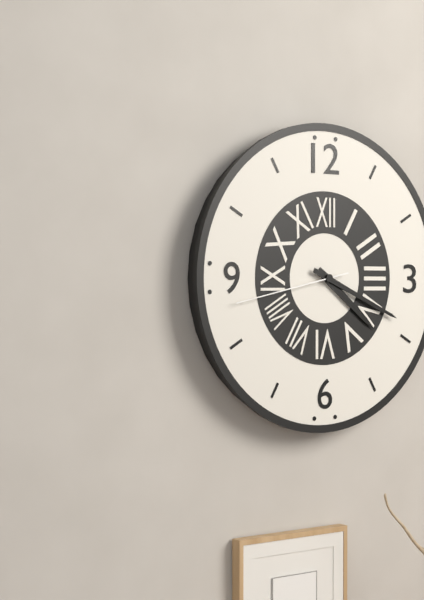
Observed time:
h=4 m=19 s=43
